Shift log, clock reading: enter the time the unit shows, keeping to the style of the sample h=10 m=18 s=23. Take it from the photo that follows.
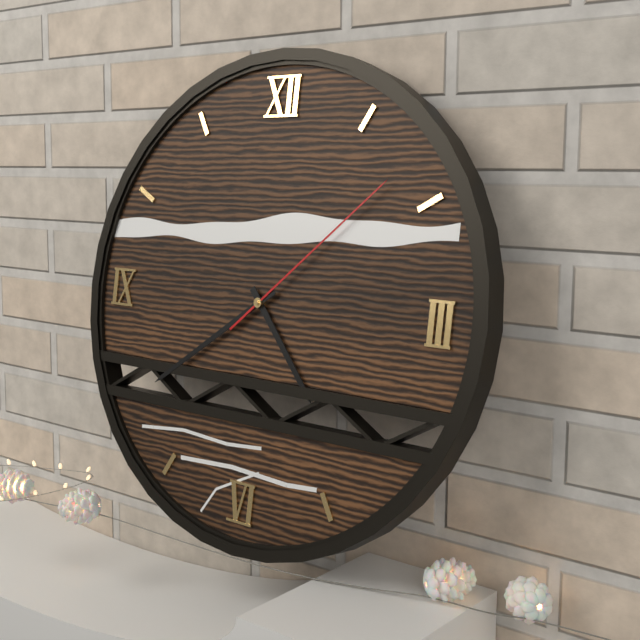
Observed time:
h=4 m=39 s=8
